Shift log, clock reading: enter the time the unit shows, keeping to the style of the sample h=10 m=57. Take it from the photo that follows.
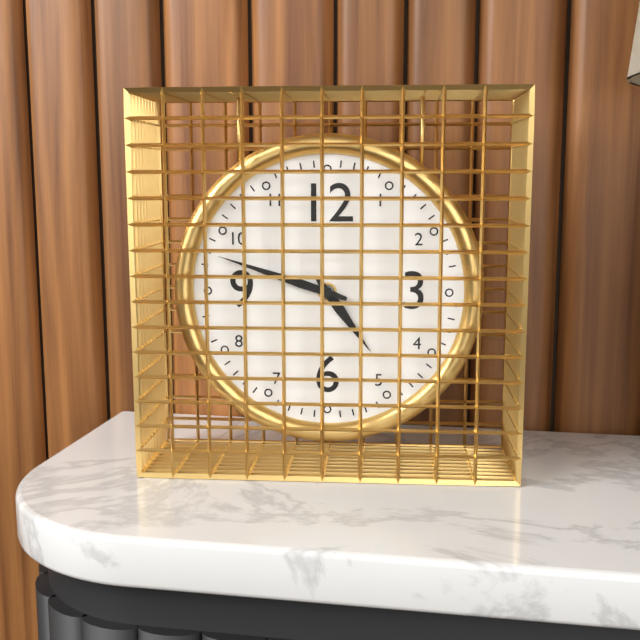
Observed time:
h=4 m=48
